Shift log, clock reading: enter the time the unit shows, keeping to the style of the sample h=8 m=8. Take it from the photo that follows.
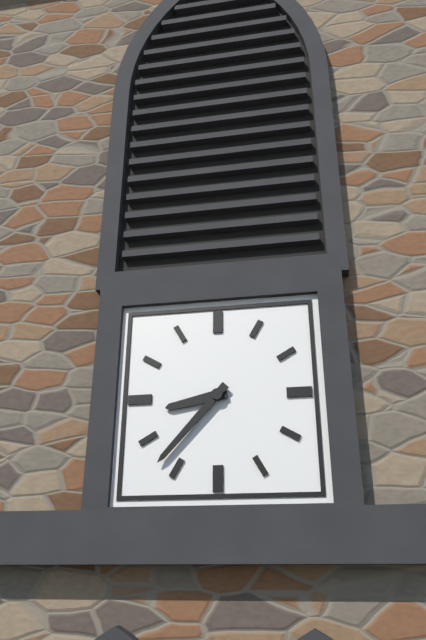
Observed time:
h=8 m=37
